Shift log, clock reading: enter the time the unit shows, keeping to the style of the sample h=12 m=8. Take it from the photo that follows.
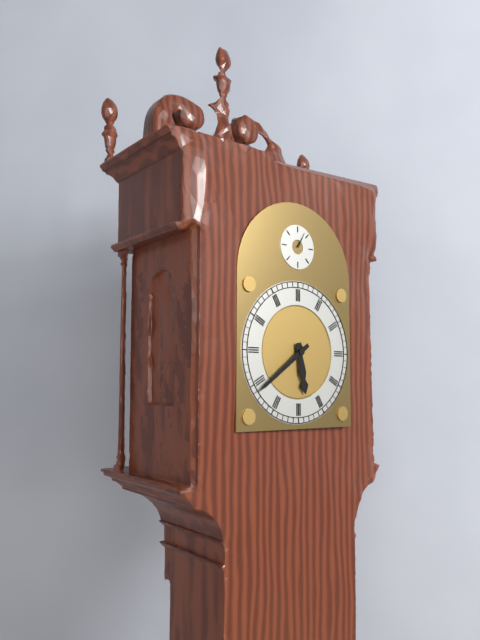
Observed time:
h=5 m=39
